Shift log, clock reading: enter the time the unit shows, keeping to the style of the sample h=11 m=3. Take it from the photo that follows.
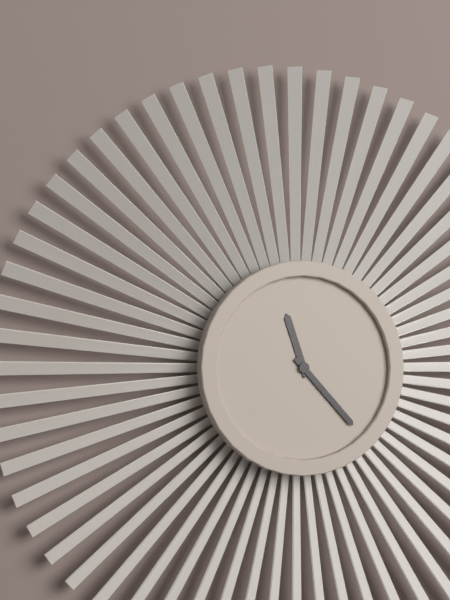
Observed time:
h=11 m=23
